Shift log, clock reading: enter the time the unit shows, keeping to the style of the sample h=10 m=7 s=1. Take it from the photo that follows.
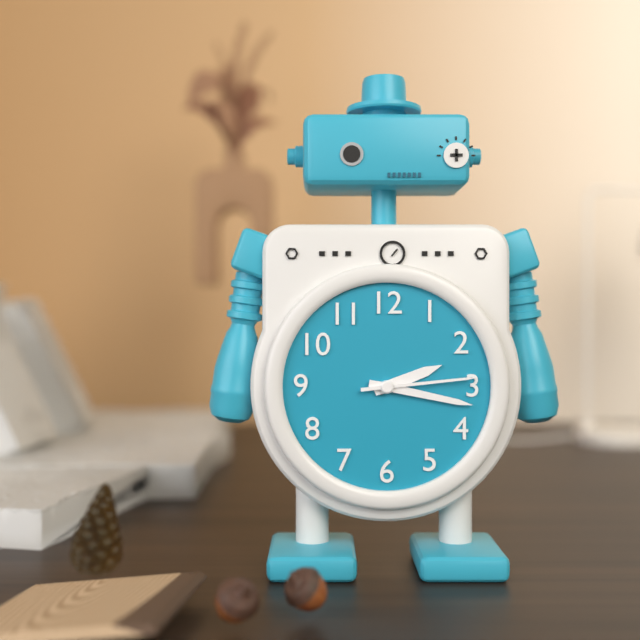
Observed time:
h=2 m=17 s=14
